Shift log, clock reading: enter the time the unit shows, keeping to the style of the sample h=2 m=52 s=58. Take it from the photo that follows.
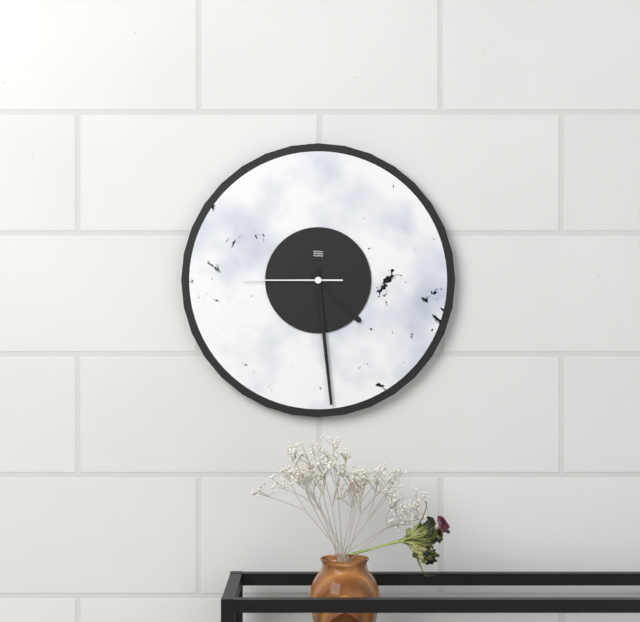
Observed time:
h=4 m=29 s=45
